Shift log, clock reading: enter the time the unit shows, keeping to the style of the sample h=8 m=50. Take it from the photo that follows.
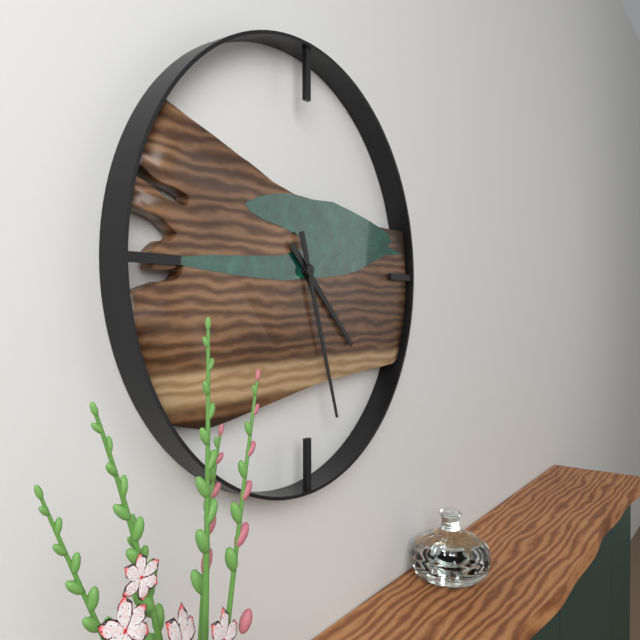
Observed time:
h=4 m=27
